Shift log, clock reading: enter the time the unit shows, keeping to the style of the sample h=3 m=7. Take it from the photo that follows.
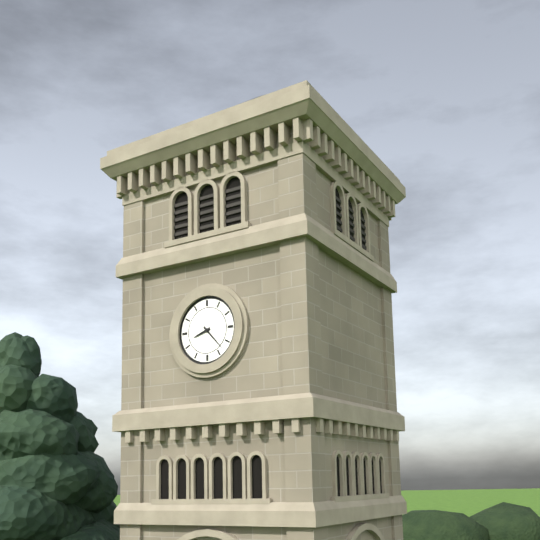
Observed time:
h=8 m=23
